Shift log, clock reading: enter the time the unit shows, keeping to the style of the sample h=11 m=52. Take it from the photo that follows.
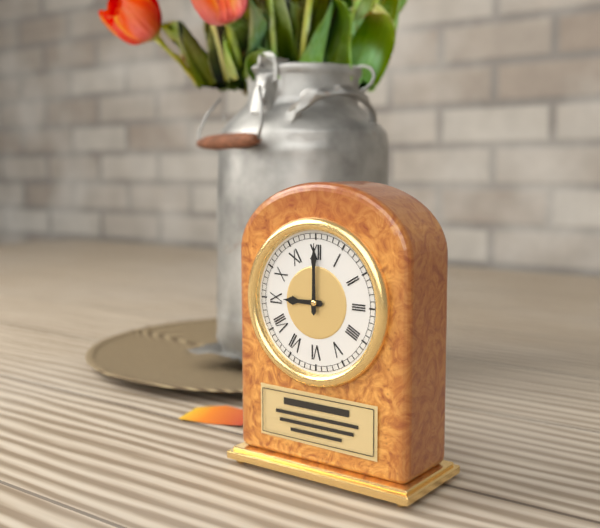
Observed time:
h=9 m=0
